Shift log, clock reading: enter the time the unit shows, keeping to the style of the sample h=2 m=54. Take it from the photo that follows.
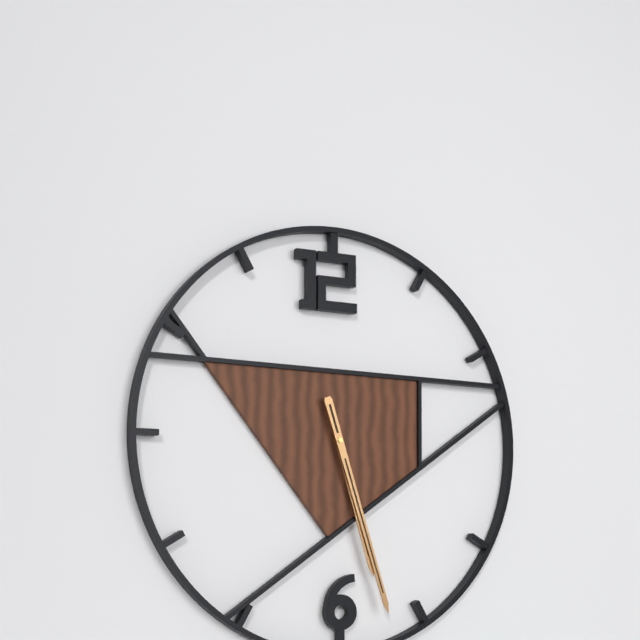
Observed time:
h=5 m=27
